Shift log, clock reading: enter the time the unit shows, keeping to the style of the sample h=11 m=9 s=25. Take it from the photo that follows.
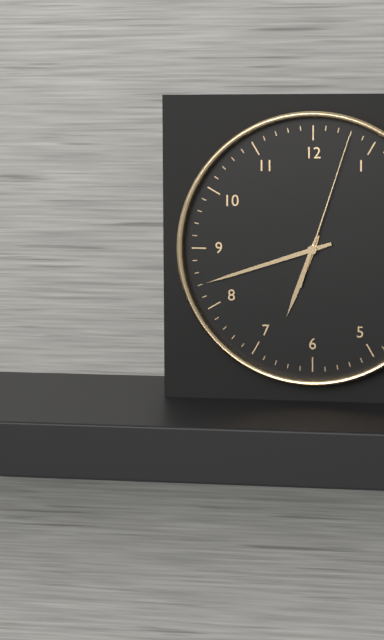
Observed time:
h=6 m=42 s=3
